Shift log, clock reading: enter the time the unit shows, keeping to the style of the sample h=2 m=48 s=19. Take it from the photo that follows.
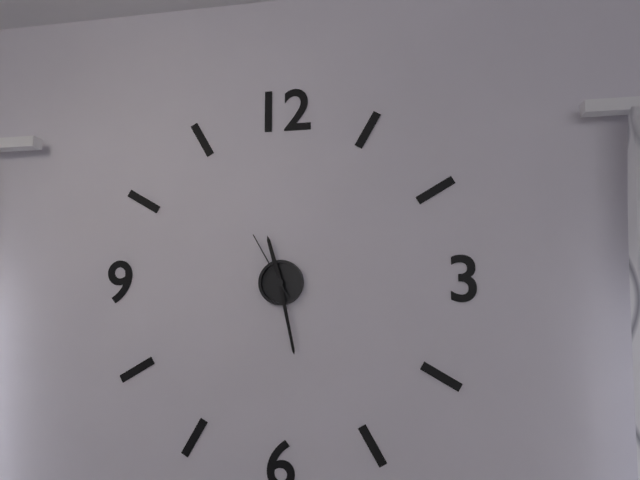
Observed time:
h=11 m=28 s=55
